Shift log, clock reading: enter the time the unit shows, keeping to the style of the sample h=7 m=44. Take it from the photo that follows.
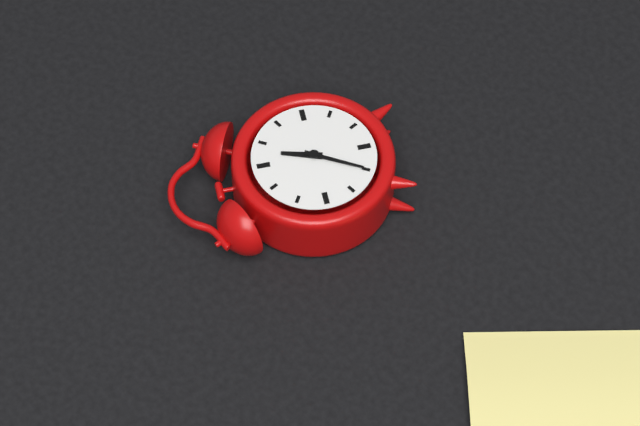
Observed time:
h=12 m=35
